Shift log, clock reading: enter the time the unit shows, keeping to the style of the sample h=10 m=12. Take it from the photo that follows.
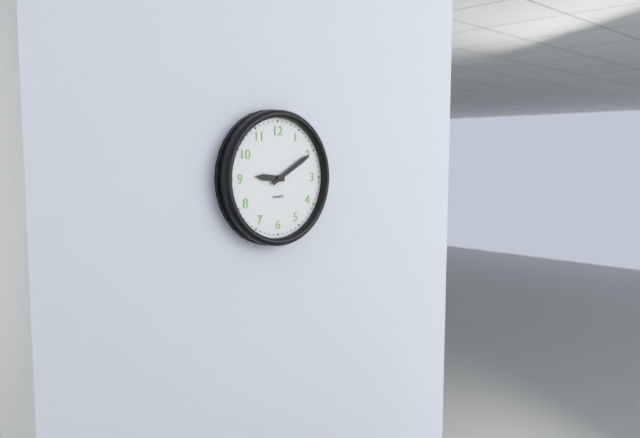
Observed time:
h=9 m=10
